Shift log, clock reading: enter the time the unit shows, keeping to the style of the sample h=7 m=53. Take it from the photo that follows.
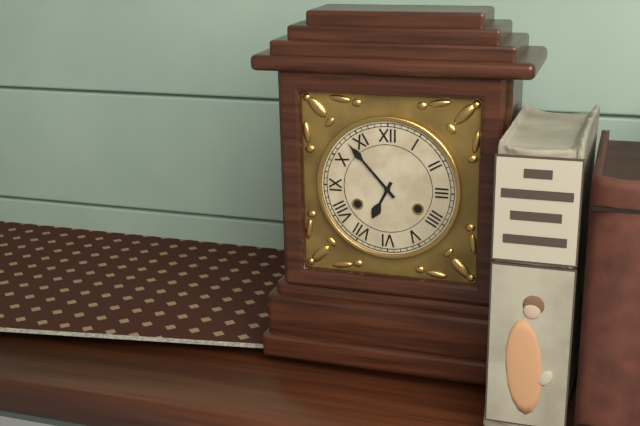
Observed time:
h=6 m=53
